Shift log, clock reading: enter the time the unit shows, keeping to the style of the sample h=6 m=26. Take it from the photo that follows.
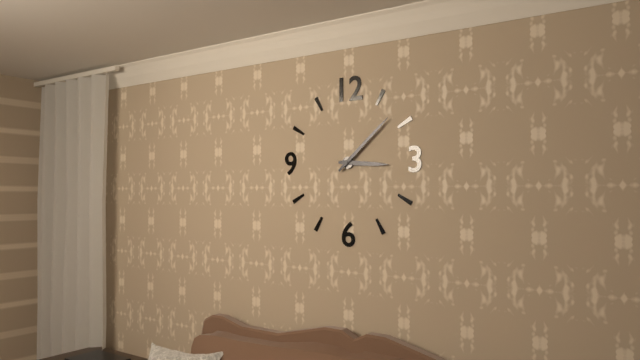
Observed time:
h=3 m=8
